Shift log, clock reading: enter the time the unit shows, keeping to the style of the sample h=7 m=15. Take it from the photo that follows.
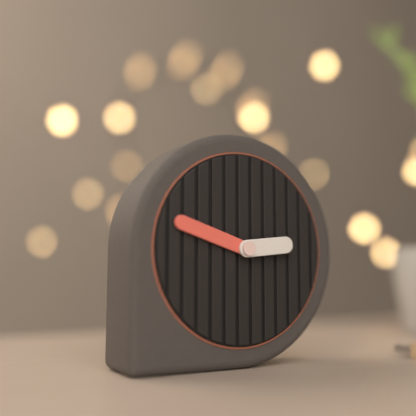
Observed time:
h=2 m=48
